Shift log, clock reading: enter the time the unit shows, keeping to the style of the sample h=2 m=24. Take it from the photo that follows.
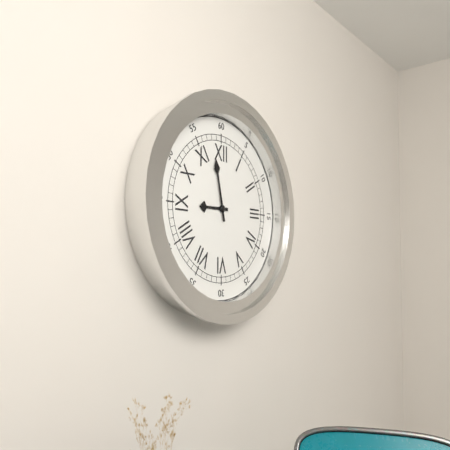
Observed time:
h=8 m=58
